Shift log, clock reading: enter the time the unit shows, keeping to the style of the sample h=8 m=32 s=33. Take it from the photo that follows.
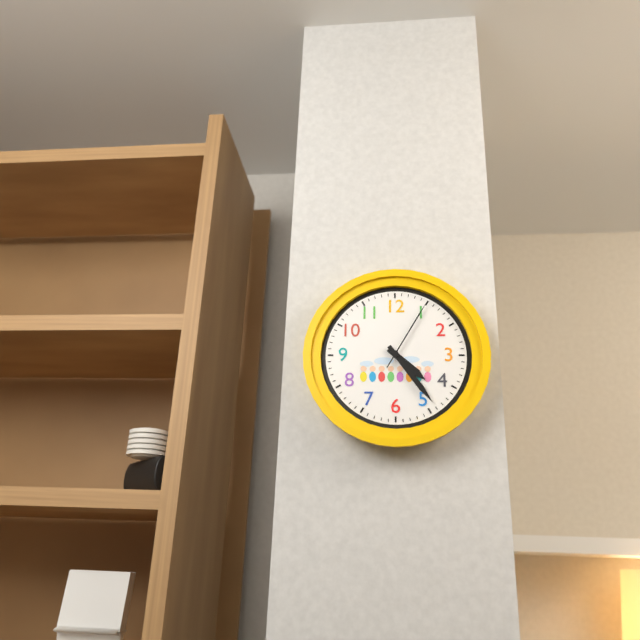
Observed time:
h=4 m=24 s=5
